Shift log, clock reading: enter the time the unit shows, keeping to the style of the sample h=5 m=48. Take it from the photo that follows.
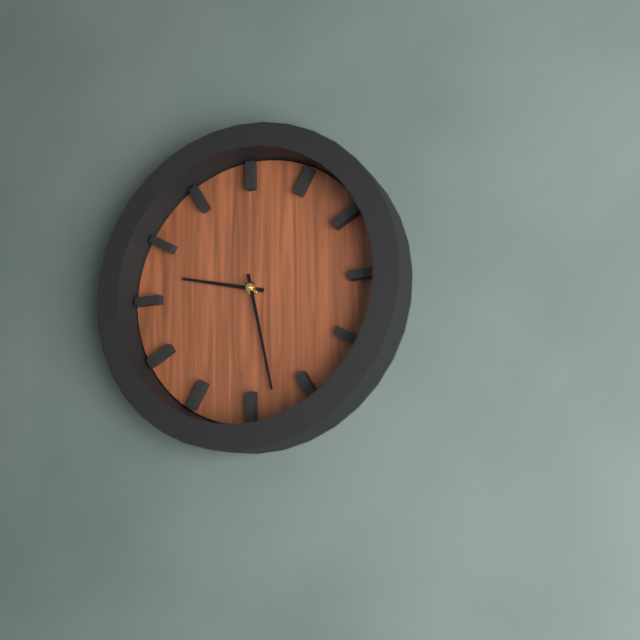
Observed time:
h=9 m=28
